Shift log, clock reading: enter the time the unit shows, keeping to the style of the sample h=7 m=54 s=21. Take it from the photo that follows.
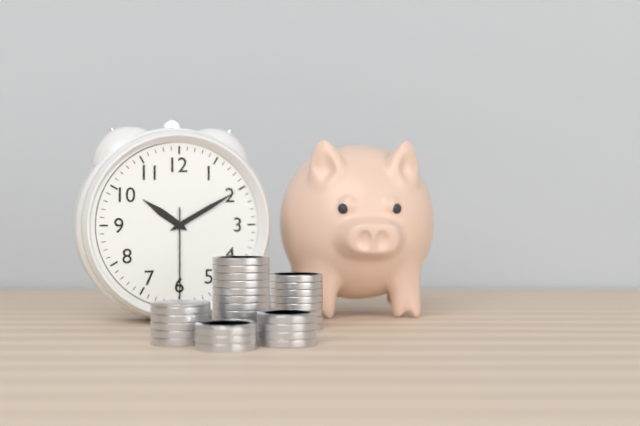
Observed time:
h=10 m=10 s=30
